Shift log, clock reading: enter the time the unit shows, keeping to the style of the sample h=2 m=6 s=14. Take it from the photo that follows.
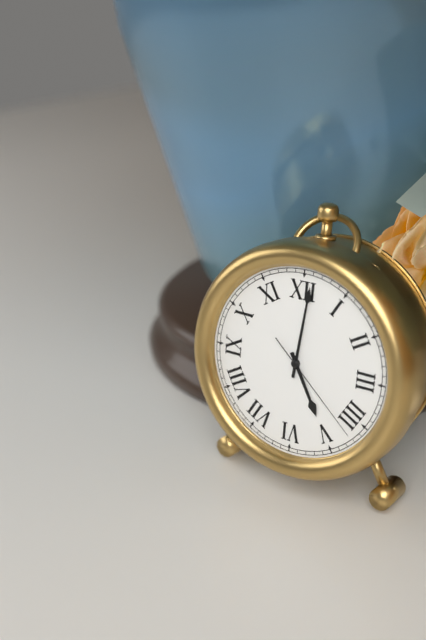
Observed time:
h=5 m=1 s=22
